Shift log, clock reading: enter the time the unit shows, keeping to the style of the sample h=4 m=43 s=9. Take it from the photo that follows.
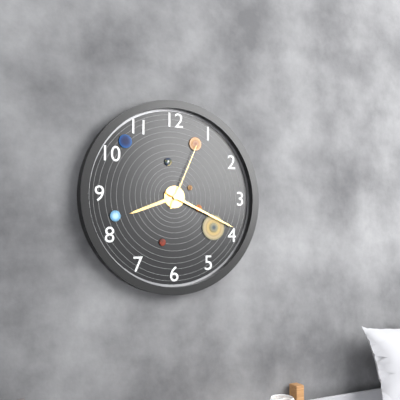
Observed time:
h=8 m=19 s=4
